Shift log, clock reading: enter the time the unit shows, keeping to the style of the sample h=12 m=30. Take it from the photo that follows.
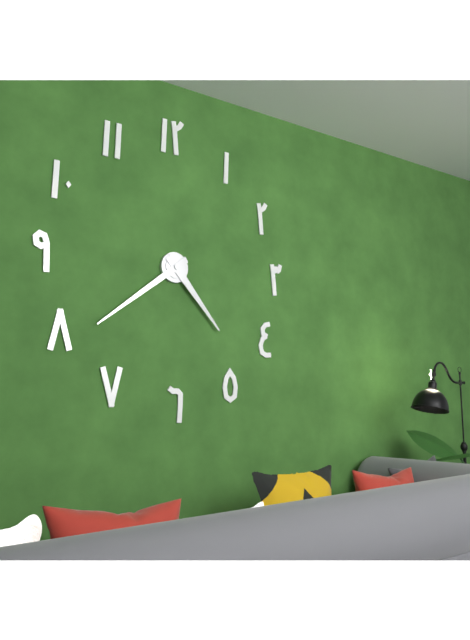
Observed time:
h=4 m=39
